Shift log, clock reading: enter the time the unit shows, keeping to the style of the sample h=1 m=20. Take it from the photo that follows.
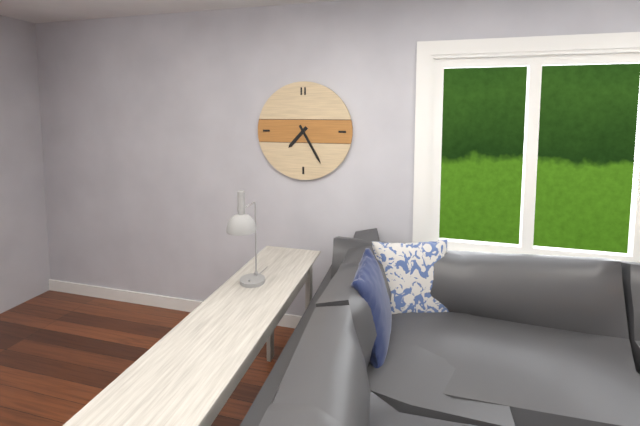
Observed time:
h=7 m=25
